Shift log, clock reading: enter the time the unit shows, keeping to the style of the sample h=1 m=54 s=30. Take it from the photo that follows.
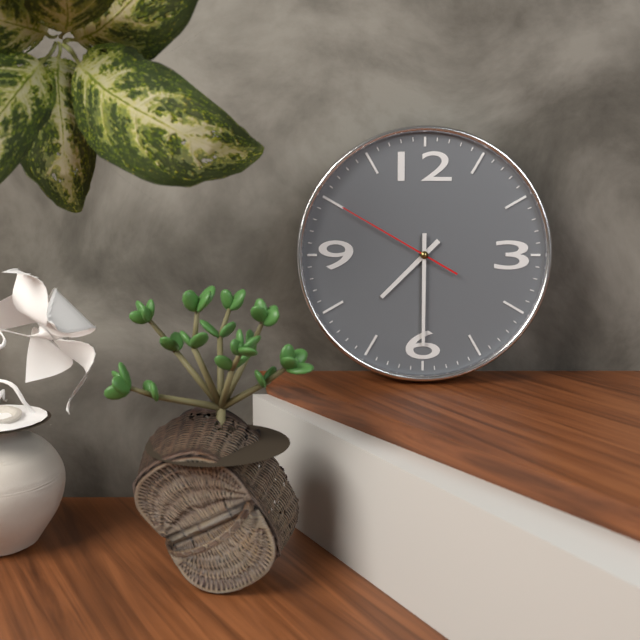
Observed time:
h=7 m=30 s=50
